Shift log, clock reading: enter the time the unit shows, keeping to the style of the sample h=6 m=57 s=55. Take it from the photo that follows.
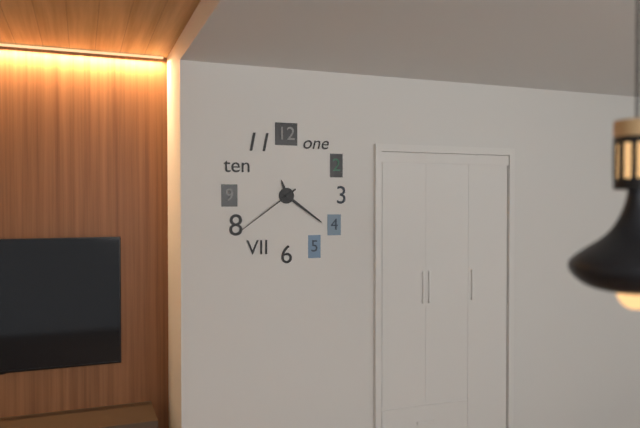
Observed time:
h=11 m=21 s=39
